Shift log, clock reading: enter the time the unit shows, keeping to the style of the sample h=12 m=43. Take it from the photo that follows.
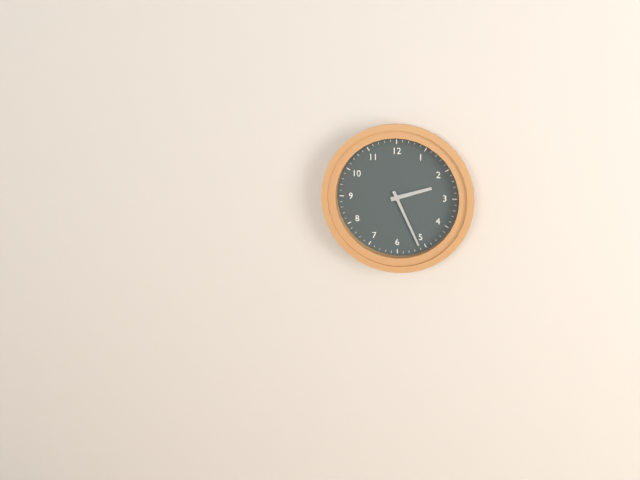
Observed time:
h=2 m=26
